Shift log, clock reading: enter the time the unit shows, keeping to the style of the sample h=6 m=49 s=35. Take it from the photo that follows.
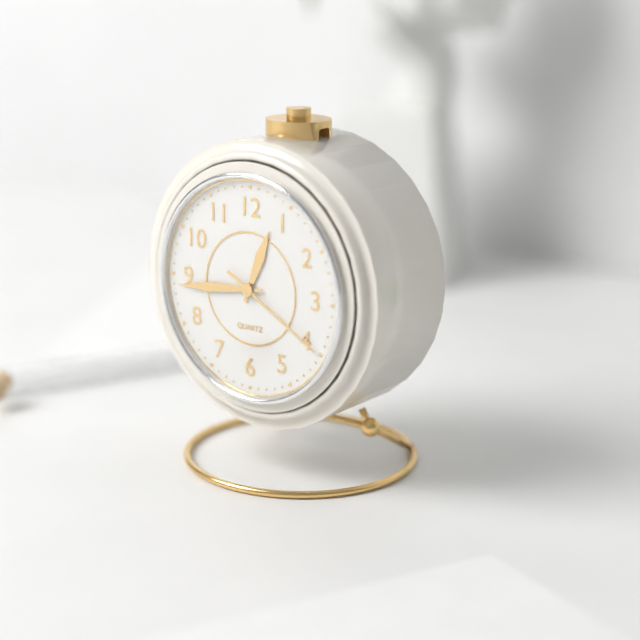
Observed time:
h=12 m=44 s=20
